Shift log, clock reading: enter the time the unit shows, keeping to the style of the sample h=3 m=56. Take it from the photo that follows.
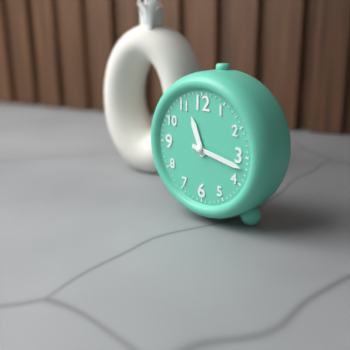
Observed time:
h=11 m=17
